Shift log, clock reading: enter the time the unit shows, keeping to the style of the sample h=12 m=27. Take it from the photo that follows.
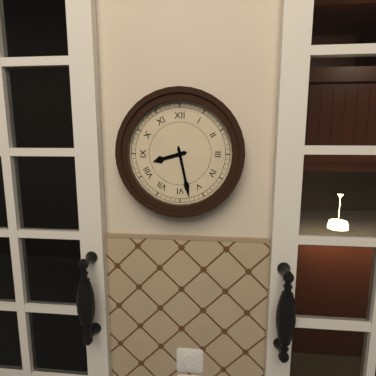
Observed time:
h=8 m=28
